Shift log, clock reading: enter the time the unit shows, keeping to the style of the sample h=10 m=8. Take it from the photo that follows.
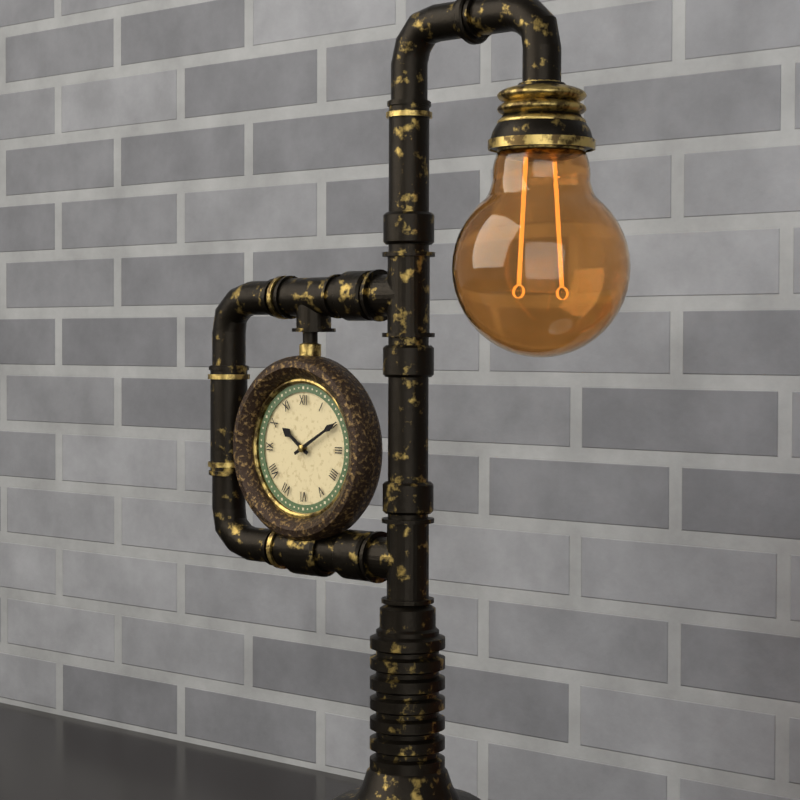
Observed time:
h=10 m=10
